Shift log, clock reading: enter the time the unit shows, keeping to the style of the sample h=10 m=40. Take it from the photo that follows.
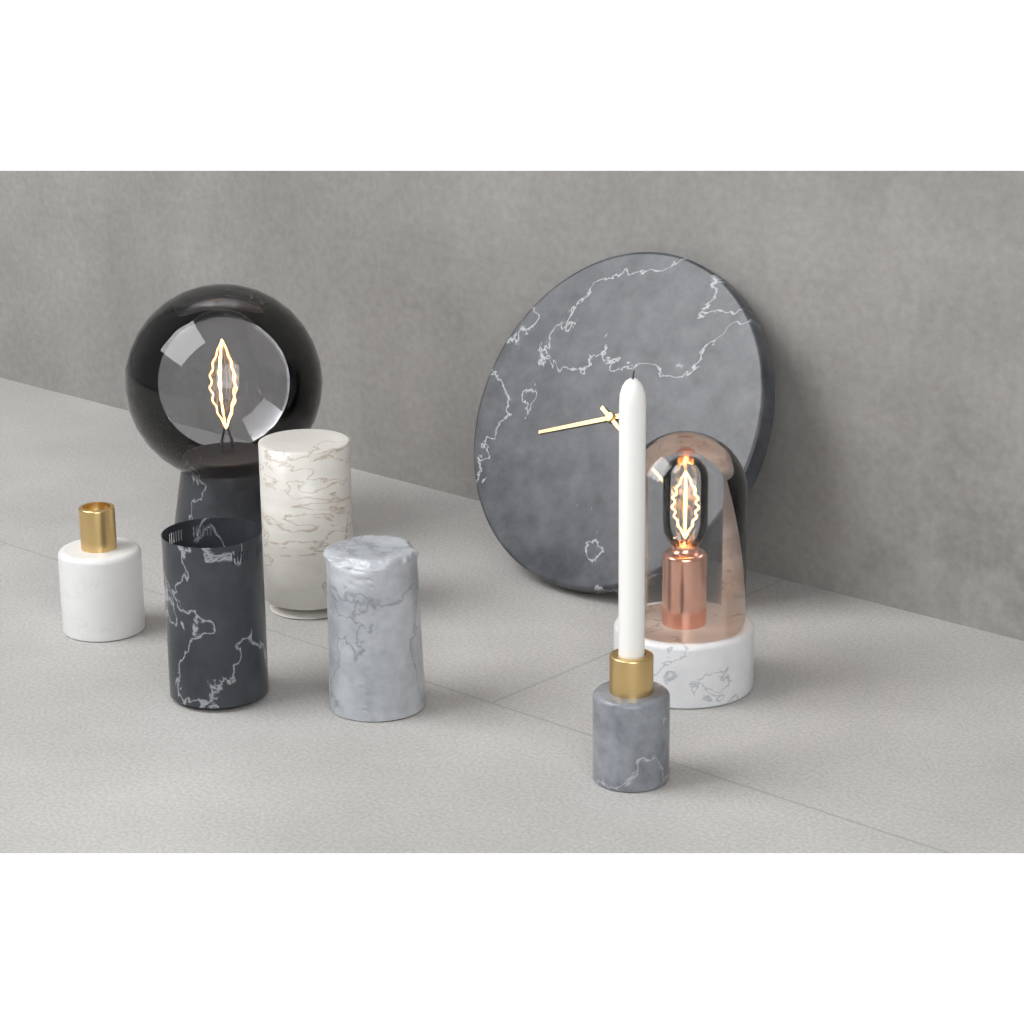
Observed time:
h=8 m=20
